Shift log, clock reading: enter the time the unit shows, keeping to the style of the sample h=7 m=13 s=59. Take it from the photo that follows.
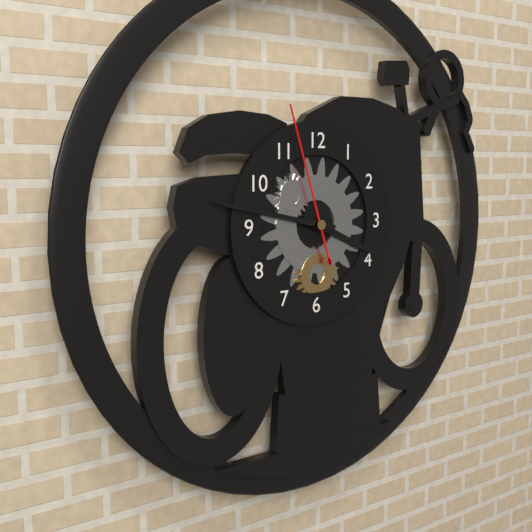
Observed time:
h=3 m=47 s=57
